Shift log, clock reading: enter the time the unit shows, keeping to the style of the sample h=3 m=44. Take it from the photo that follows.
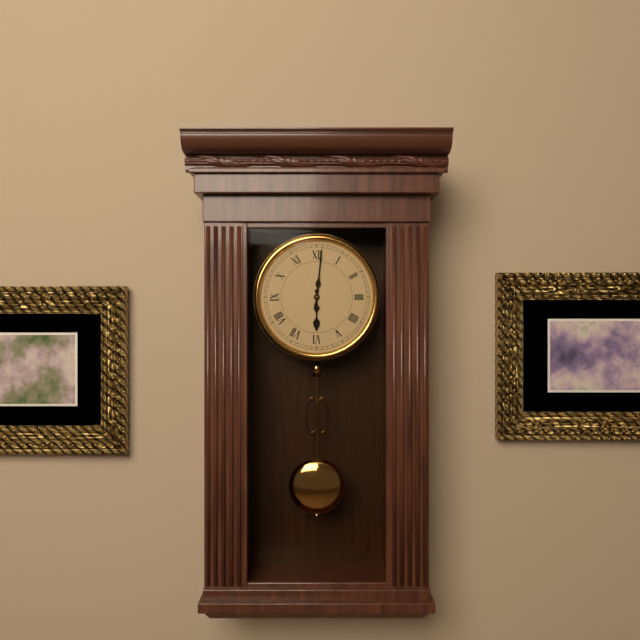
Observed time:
h=6 m=1
